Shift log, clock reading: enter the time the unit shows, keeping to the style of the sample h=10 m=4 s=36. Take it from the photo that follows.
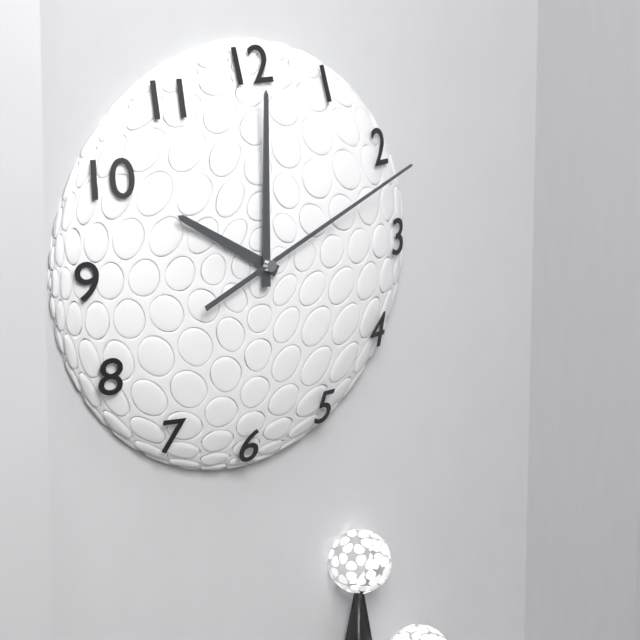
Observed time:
h=10 m=0 s=11
